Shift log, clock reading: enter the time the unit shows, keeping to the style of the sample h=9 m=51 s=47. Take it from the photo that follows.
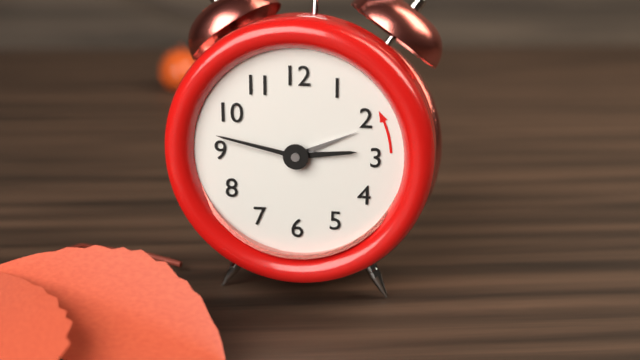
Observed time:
h=2 m=47 s=11
